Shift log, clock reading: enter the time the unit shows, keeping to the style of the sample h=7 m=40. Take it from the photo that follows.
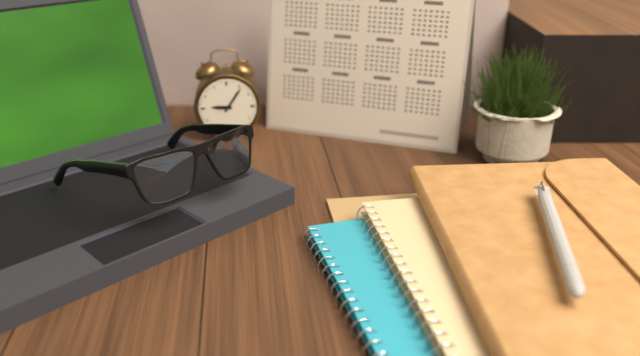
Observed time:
h=9 m=6
